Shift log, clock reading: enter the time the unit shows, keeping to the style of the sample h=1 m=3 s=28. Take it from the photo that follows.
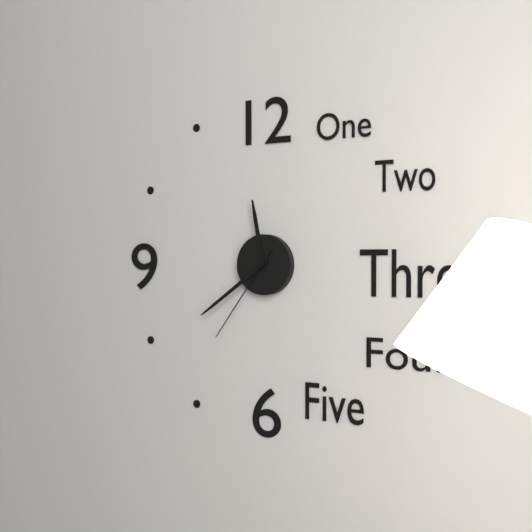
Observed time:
h=11 m=39 s=36
